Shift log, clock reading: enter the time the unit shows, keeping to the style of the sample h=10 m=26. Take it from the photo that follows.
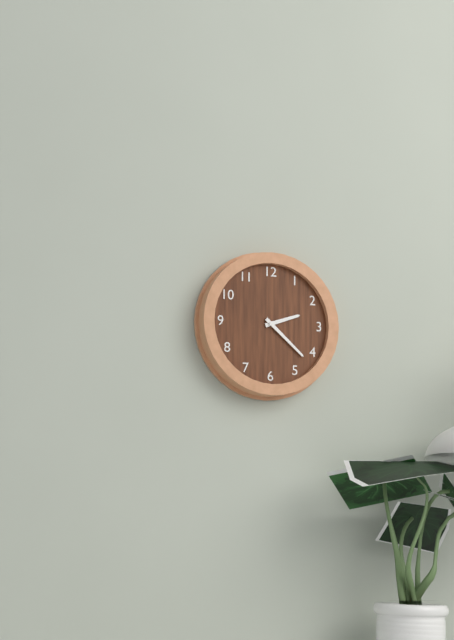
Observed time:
h=2 m=22
